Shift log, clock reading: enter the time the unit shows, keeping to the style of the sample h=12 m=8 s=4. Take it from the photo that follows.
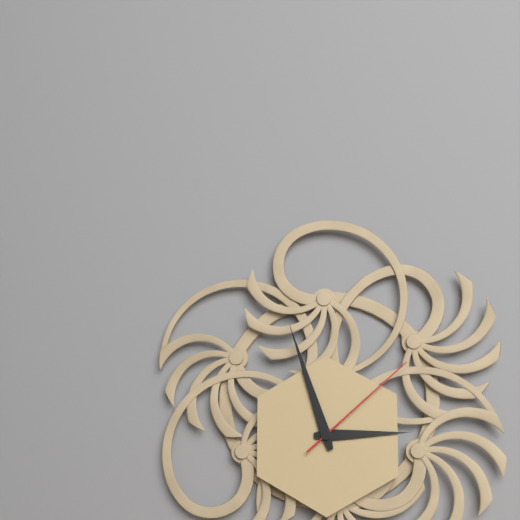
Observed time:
h=2 m=57 s=8
